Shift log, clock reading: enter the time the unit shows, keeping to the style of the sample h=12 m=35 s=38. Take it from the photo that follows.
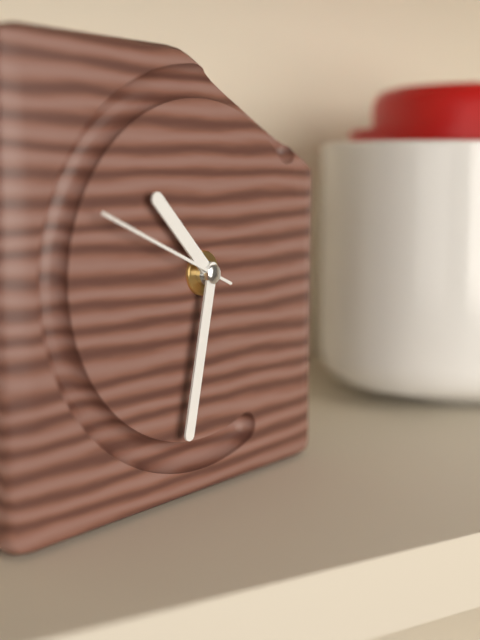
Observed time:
h=10 m=32 s=49
